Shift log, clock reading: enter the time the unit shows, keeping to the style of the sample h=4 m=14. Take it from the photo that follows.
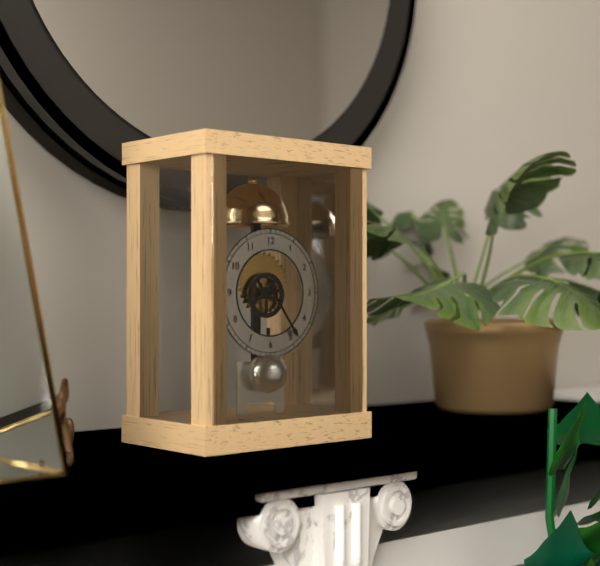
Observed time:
h=8 m=24
